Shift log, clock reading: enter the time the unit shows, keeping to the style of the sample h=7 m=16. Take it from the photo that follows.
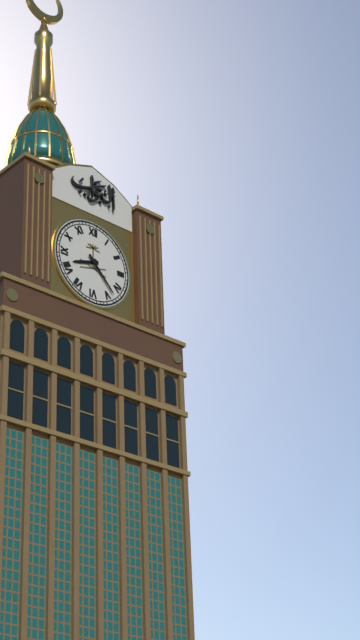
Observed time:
h=8 m=23
